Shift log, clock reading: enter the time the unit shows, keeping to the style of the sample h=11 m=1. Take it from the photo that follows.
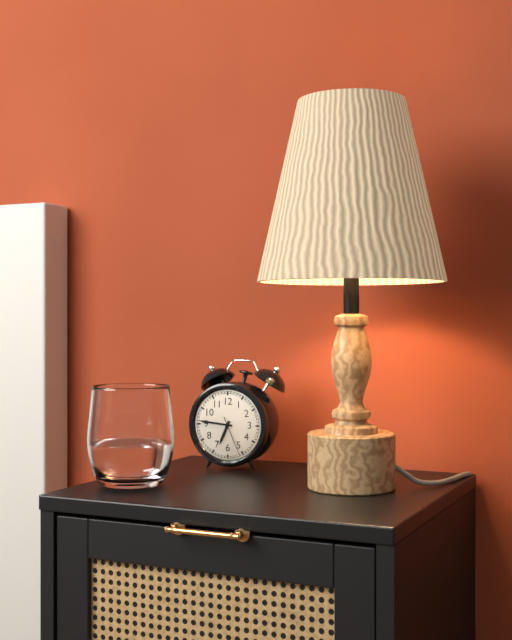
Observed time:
h=6 m=46
